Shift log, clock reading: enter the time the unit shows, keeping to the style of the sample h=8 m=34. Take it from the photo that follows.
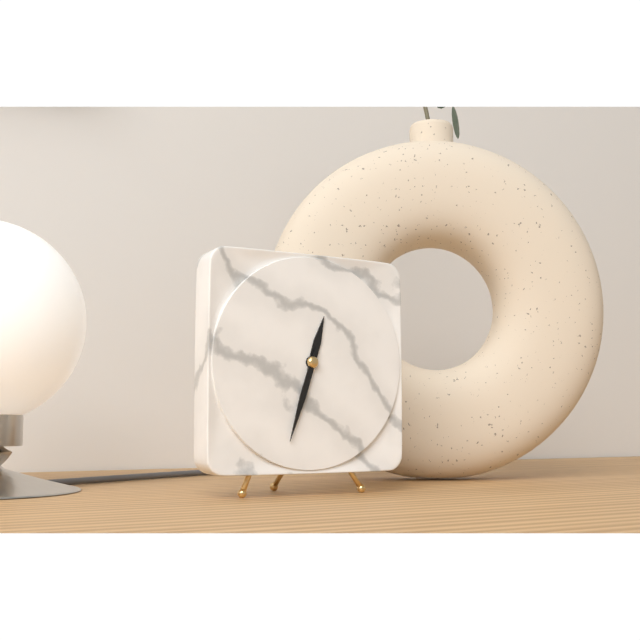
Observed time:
h=12 m=33
